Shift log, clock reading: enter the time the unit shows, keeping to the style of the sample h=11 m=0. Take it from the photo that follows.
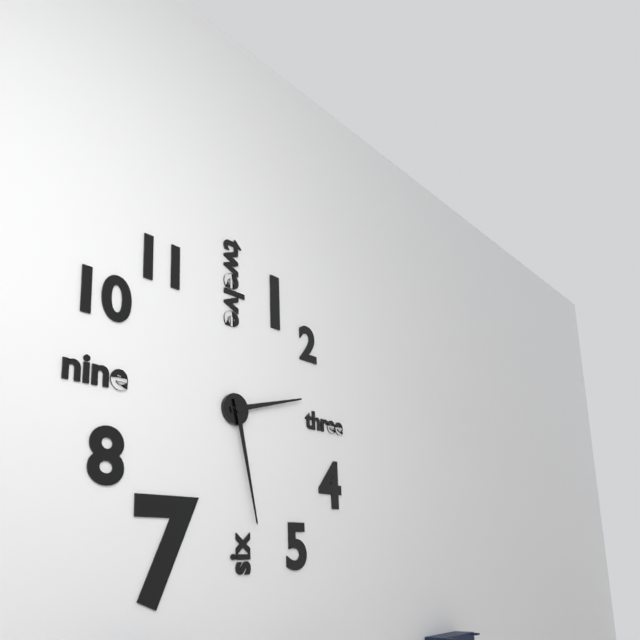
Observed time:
h=2 m=28
